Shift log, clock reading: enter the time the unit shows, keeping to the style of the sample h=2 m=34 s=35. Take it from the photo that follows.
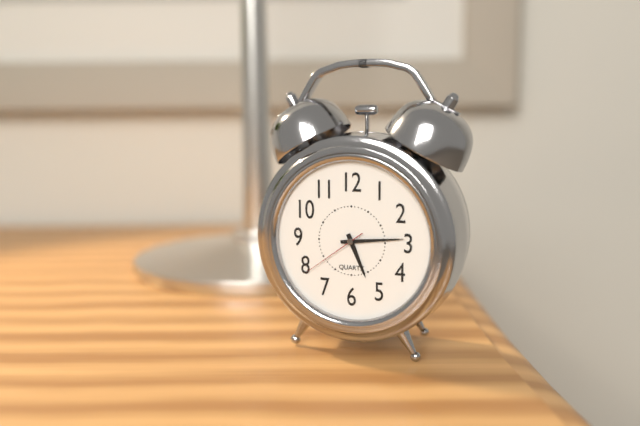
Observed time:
h=5 m=14 s=39
